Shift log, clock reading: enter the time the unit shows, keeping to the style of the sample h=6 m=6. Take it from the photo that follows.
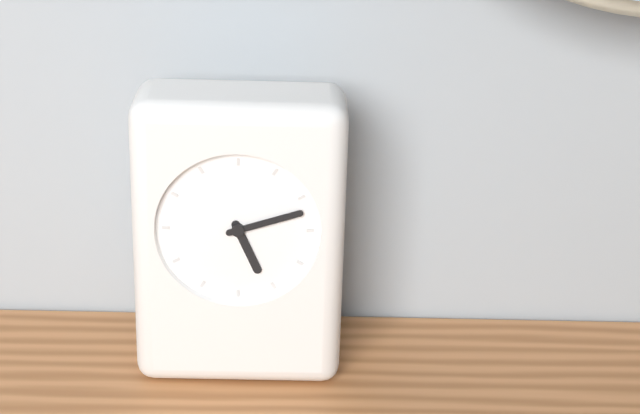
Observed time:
h=5 m=12
